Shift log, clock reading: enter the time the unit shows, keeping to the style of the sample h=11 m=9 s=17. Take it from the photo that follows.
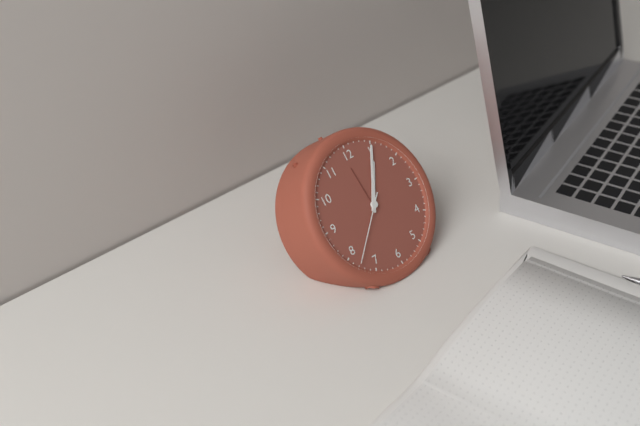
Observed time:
h=1 m=5 s=38
